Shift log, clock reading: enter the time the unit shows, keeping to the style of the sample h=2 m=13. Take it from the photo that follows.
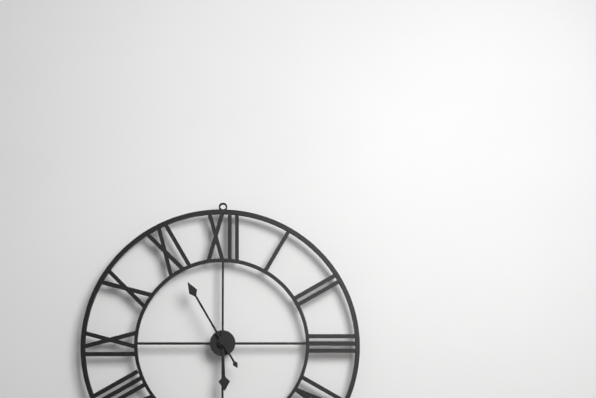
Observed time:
h=5 m=55
